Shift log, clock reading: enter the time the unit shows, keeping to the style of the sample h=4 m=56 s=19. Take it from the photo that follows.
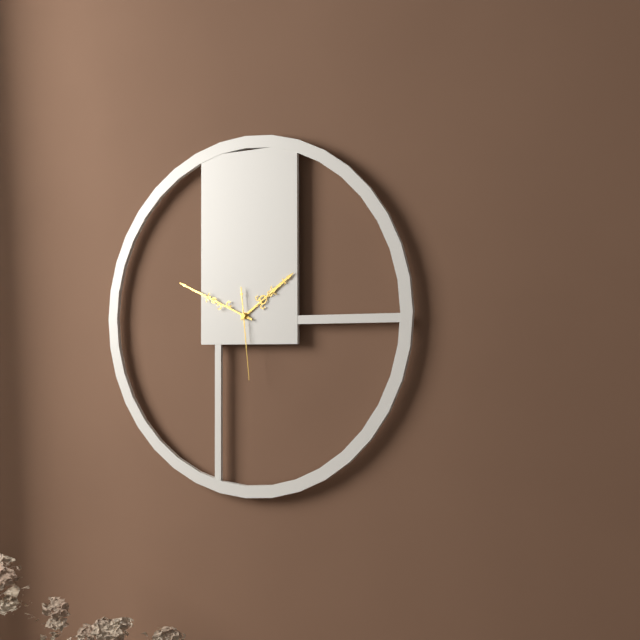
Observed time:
h=1 m=49 s=29
